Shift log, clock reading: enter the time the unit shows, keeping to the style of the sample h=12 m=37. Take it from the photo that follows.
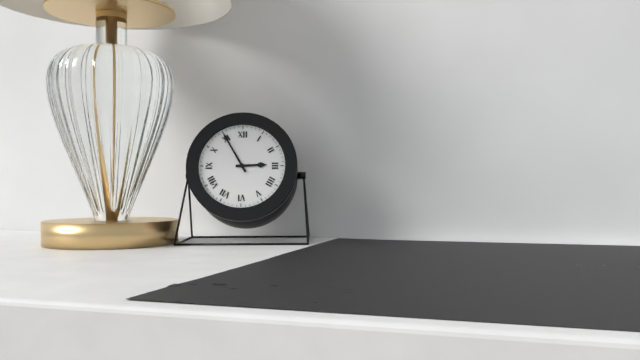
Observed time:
h=2 m=55
